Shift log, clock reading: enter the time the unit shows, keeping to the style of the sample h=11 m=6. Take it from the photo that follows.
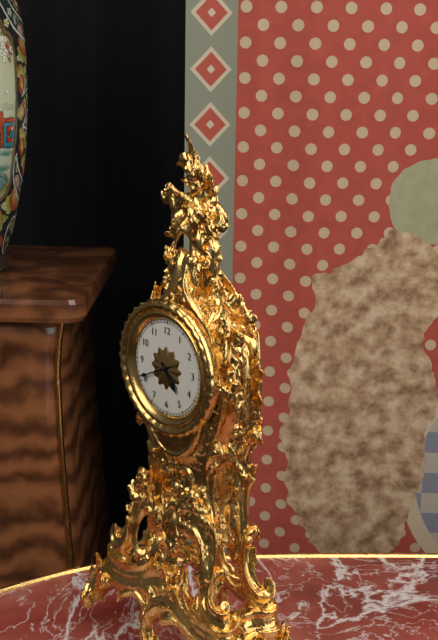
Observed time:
h=4 m=41
